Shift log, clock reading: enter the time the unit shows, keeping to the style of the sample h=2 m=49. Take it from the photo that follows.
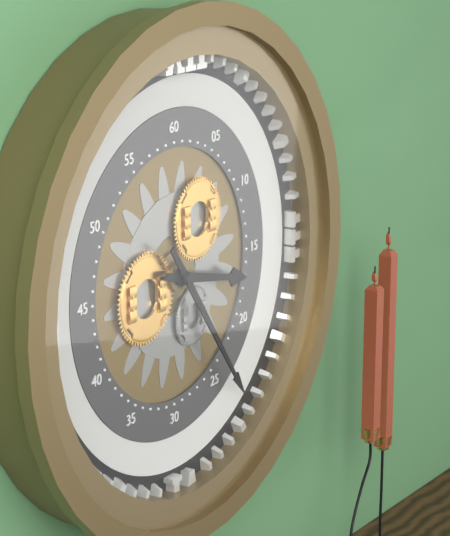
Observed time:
h=3 m=24
